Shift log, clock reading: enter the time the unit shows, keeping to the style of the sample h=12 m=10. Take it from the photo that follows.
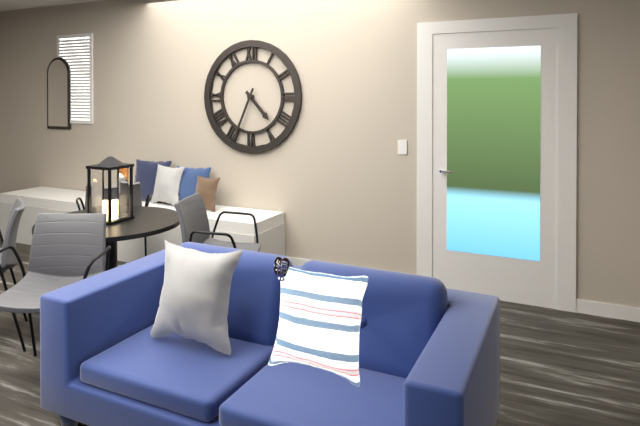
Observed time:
h=4 m=34
